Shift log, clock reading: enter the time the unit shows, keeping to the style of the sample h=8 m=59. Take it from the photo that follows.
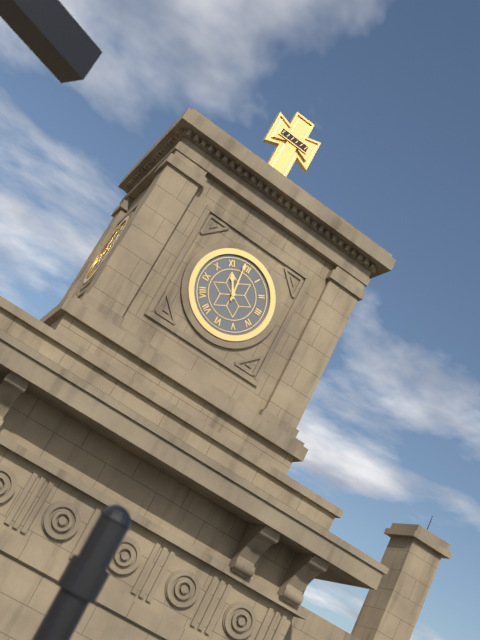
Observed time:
h=10 m=59
